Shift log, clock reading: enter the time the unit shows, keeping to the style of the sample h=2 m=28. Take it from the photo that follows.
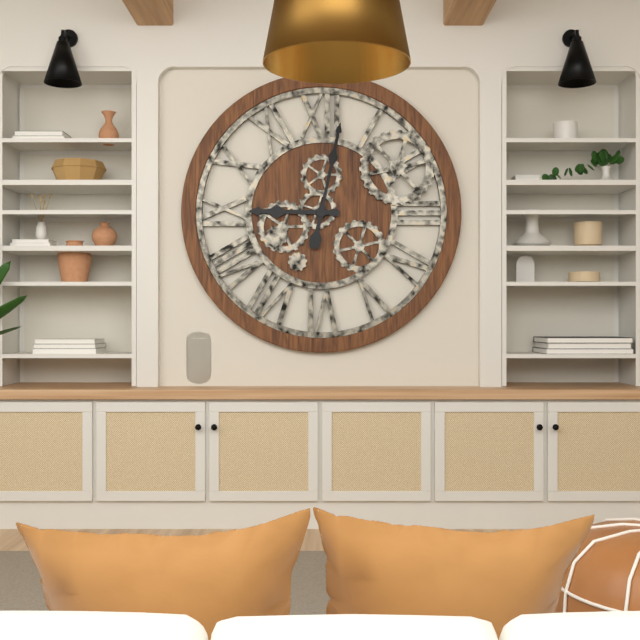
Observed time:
h=9 m=2
